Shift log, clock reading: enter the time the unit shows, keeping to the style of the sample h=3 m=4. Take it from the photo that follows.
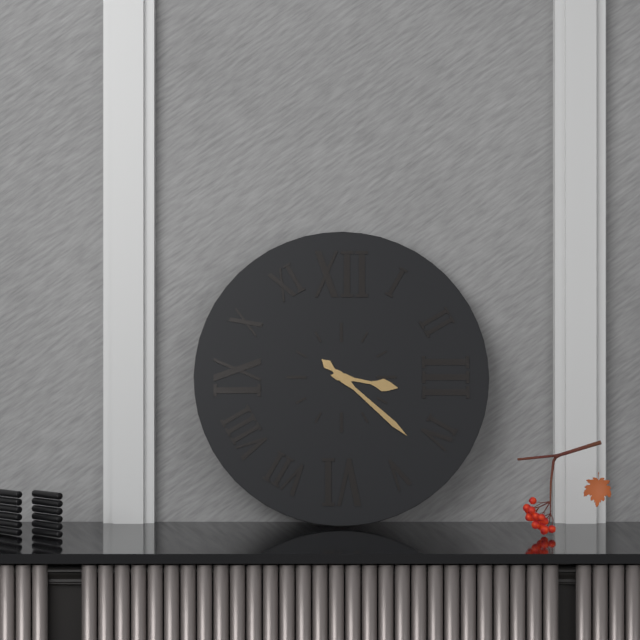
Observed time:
h=3 m=22
